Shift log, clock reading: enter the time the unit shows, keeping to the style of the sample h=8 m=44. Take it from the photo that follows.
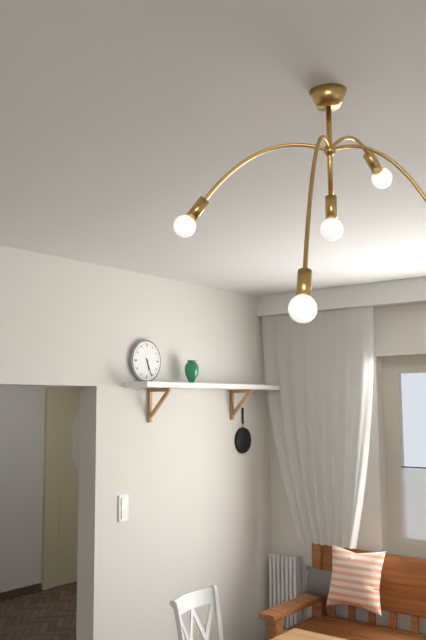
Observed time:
h=5 m=26
